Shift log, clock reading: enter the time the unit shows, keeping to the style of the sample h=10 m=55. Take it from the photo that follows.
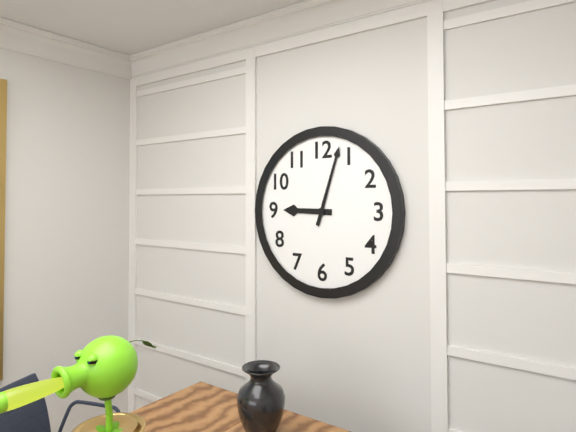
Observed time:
h=9 m=3
